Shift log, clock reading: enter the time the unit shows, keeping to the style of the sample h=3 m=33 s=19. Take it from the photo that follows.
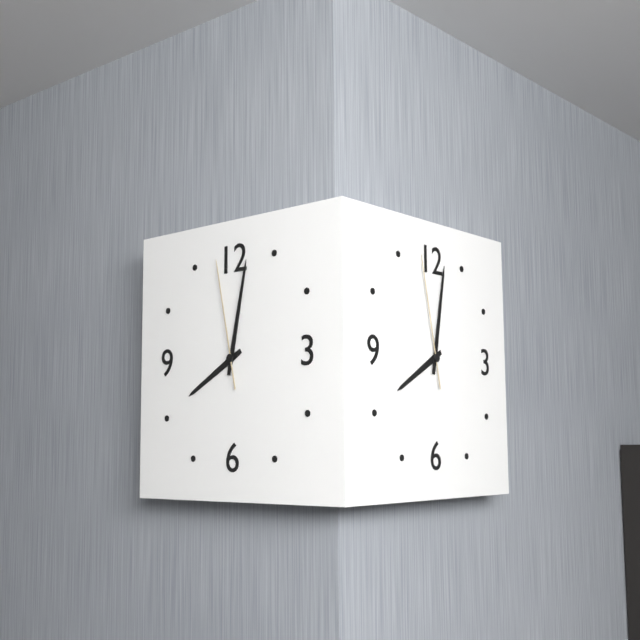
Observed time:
h=8 m=2 s=58
